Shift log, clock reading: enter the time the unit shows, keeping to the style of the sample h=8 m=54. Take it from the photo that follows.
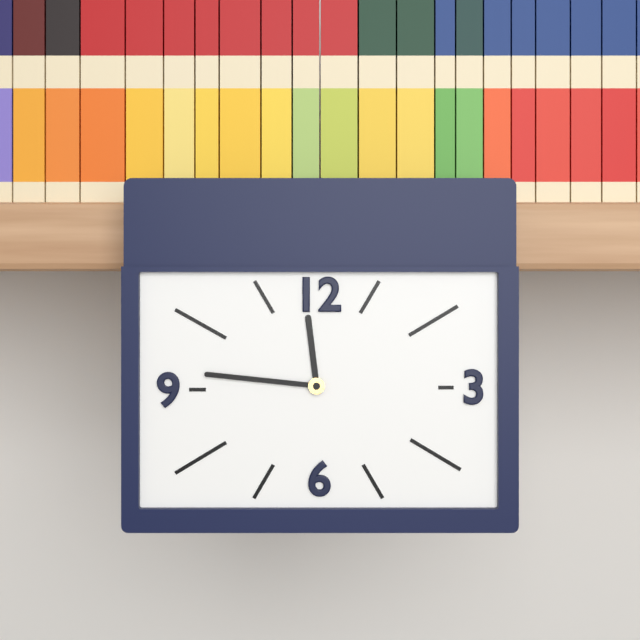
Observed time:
h=11 m=46
